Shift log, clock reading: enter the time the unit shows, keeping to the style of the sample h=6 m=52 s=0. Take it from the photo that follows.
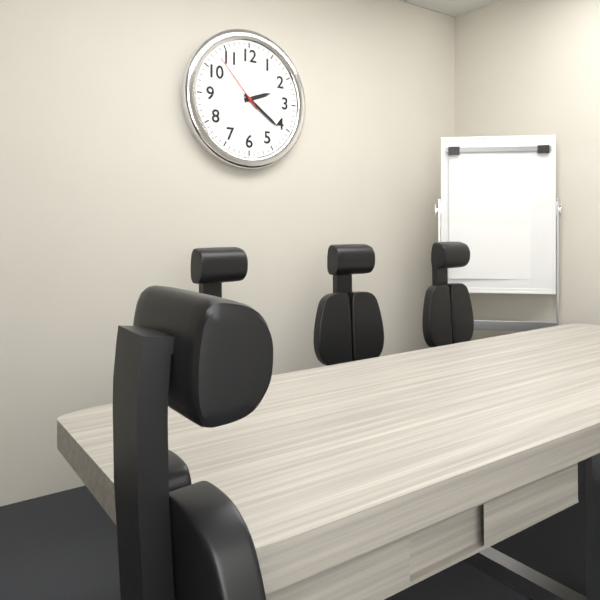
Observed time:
h=2 m=21 s=53
